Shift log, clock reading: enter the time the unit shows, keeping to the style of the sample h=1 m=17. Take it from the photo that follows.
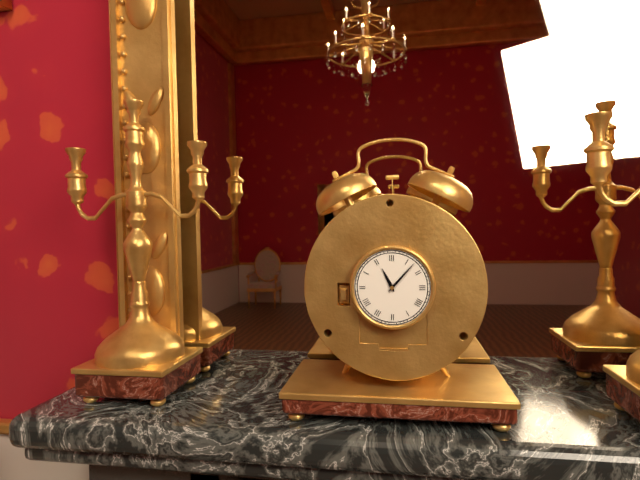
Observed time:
h=11 m=7
